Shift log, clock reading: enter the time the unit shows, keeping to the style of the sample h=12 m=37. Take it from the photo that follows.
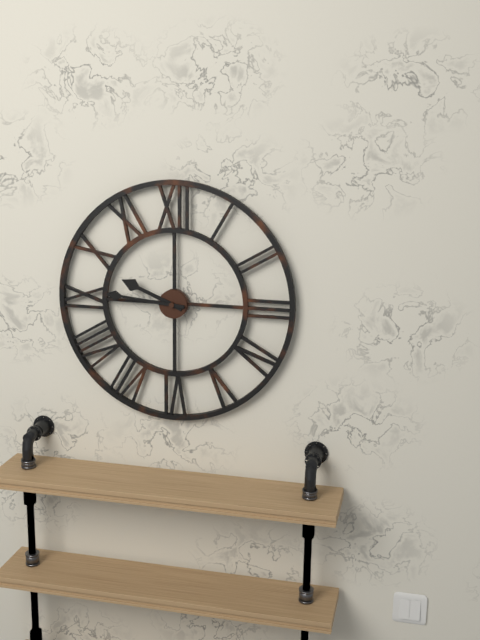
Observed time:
h=9 m=46
